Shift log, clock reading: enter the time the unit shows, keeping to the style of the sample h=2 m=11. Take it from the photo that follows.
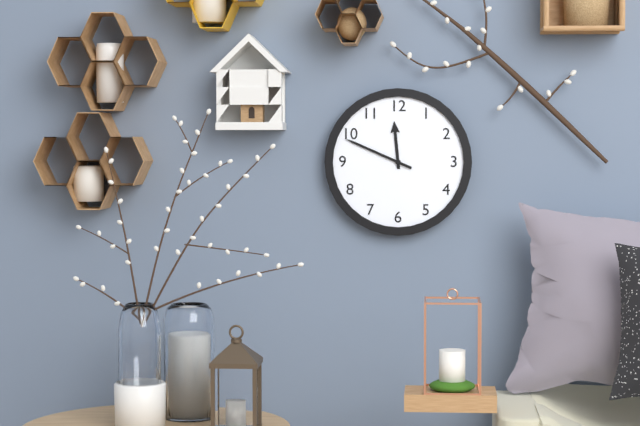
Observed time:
h=11 m=49
